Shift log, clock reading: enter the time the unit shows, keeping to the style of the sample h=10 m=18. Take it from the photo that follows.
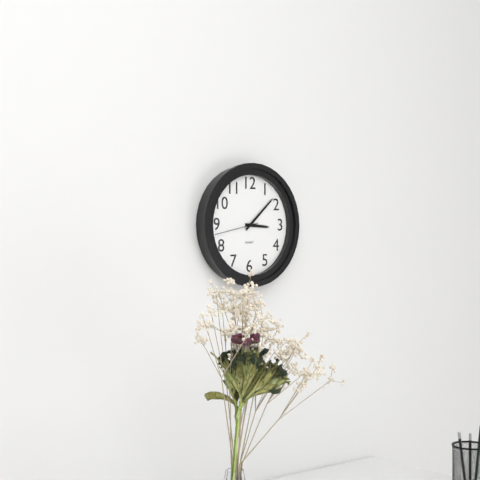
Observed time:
h=3 m=8
